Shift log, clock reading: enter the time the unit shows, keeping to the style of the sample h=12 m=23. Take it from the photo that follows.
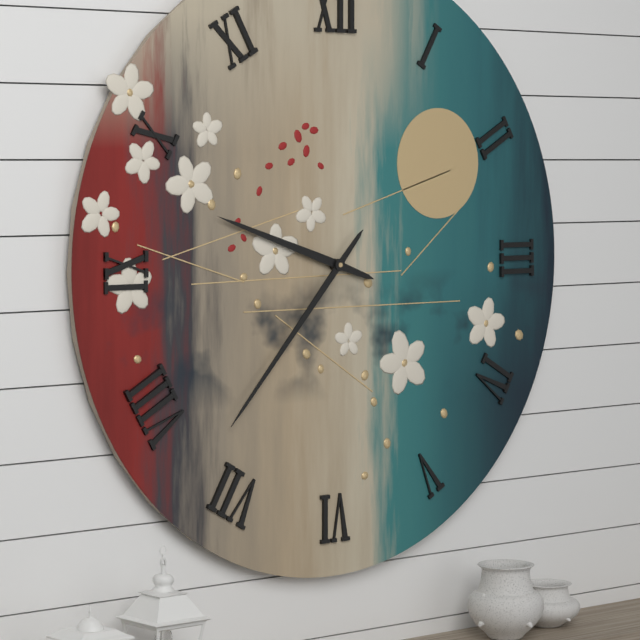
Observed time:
h=9 m=37
